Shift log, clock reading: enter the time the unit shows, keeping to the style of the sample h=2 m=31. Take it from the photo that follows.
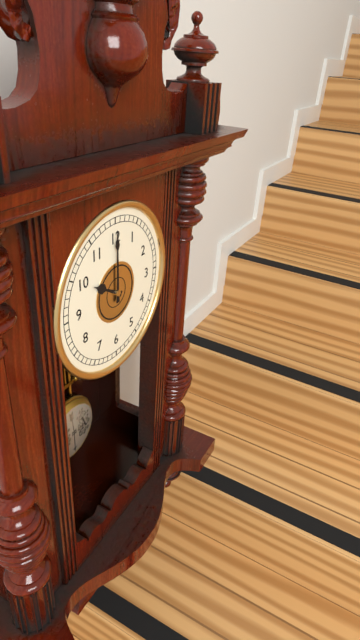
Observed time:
h=10 m=0
